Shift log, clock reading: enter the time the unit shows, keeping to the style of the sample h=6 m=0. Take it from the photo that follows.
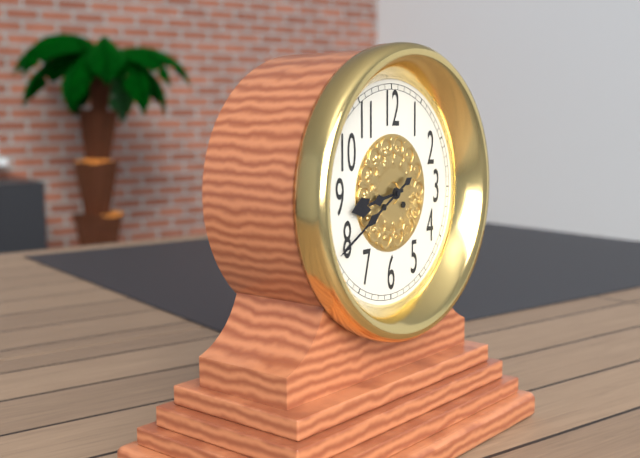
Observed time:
h=8 m=40
